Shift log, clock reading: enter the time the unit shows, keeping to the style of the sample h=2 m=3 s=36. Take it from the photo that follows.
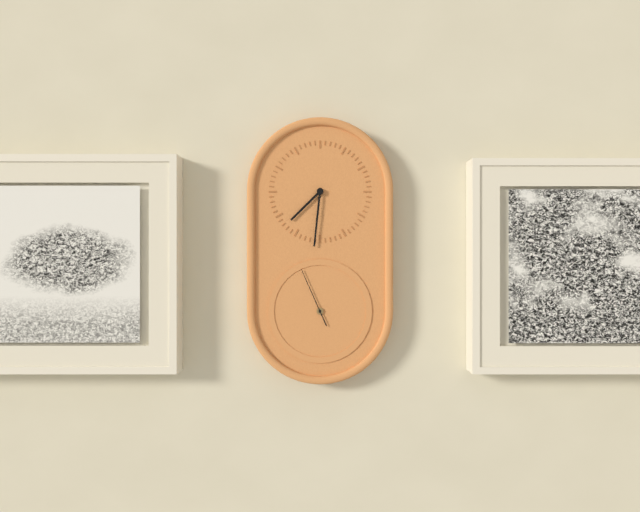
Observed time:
h=7 m=31 s=56
